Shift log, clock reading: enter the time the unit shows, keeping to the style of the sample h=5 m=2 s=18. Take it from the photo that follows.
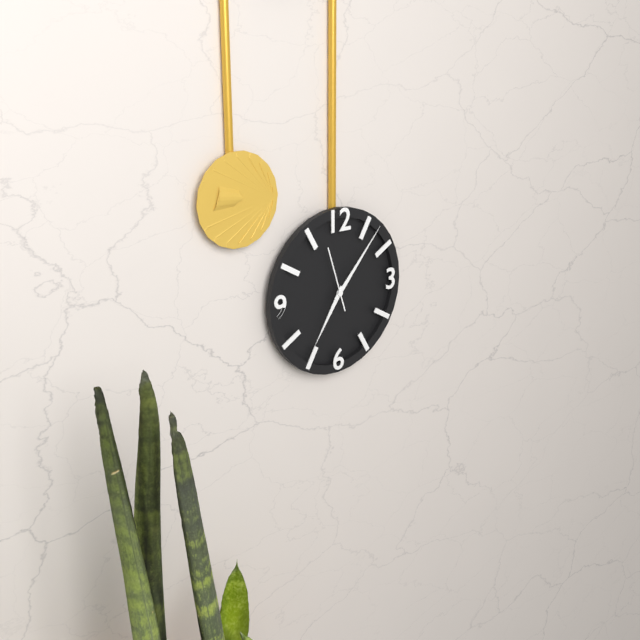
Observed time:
h=7 m=7 s=57
